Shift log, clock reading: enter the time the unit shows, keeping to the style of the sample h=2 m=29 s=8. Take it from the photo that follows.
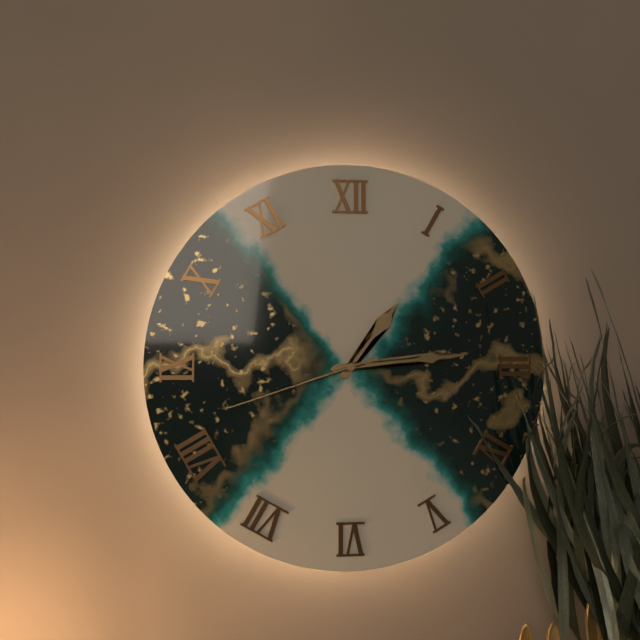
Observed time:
h=1 m=14 s=42
